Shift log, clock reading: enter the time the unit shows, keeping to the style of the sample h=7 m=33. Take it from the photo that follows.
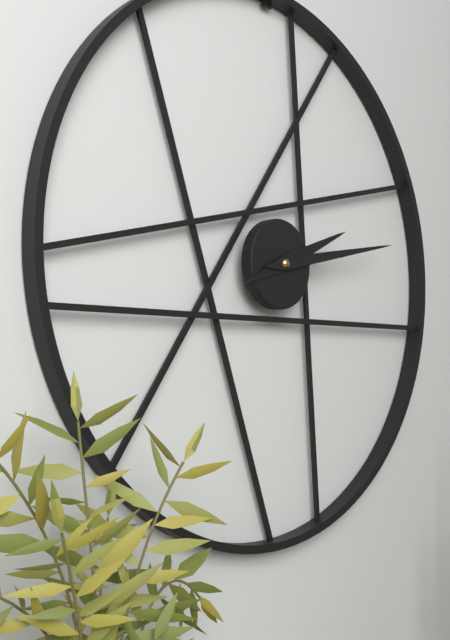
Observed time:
h=2 m=13
